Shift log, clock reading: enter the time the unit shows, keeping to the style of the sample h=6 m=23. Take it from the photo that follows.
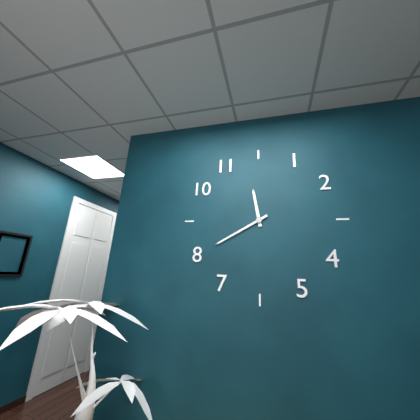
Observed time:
h=11 m=40
